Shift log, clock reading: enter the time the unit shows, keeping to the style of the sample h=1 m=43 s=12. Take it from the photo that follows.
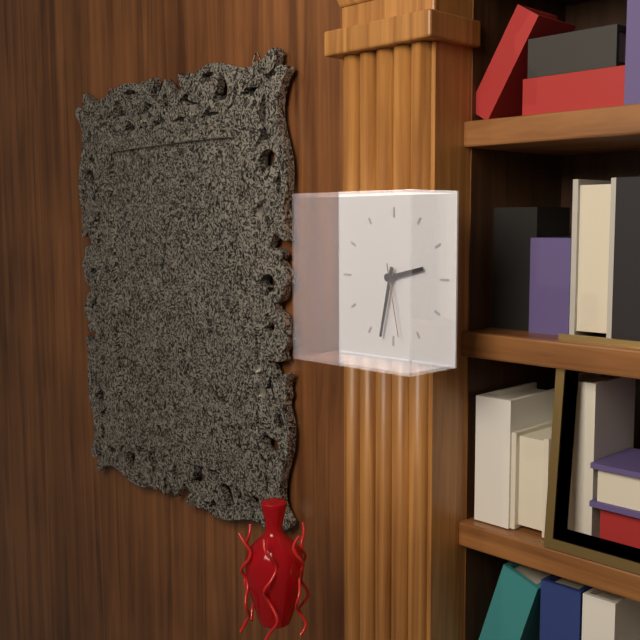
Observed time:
h=2 m=32 s=28
